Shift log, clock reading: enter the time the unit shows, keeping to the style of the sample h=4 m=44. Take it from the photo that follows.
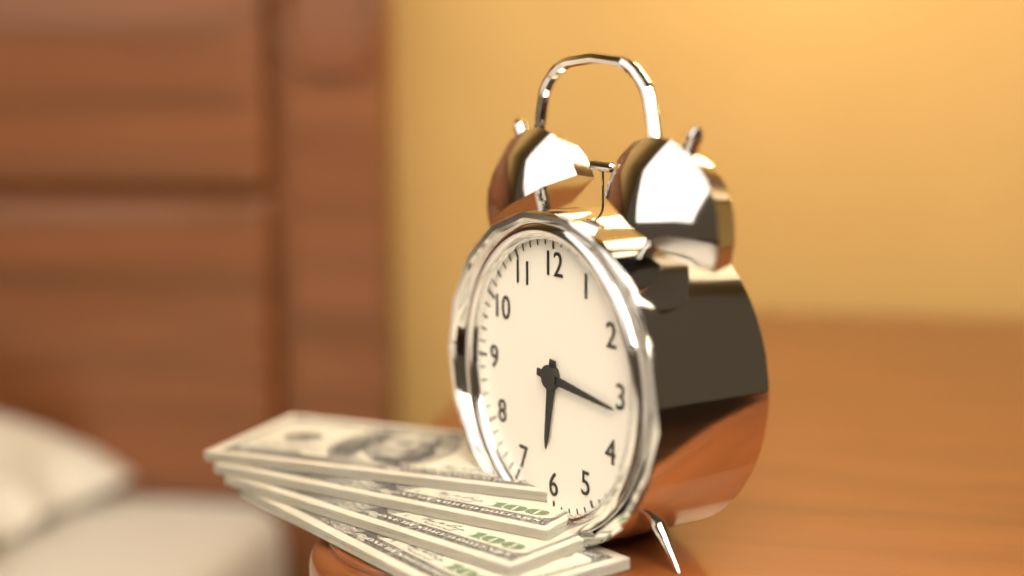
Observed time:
h=6 m=16
